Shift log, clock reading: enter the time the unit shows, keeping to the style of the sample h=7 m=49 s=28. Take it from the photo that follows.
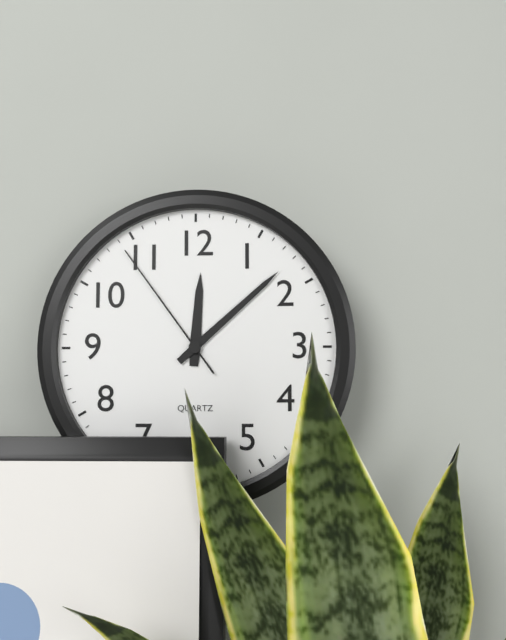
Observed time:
h=12 m=8 s=54
